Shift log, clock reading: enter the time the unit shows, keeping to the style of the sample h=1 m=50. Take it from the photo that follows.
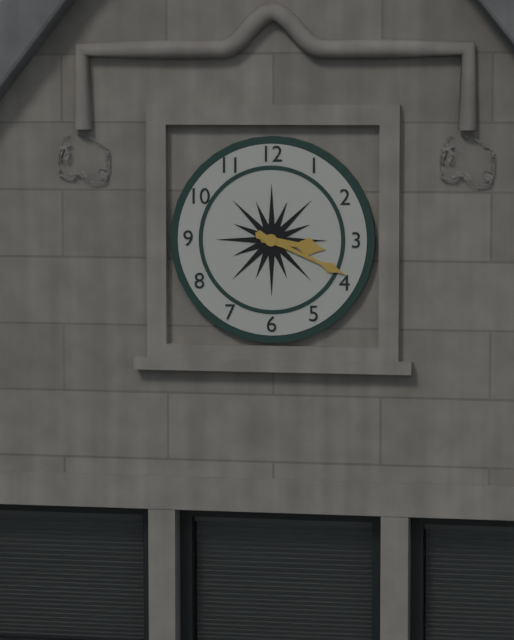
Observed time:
h=3 m=19
